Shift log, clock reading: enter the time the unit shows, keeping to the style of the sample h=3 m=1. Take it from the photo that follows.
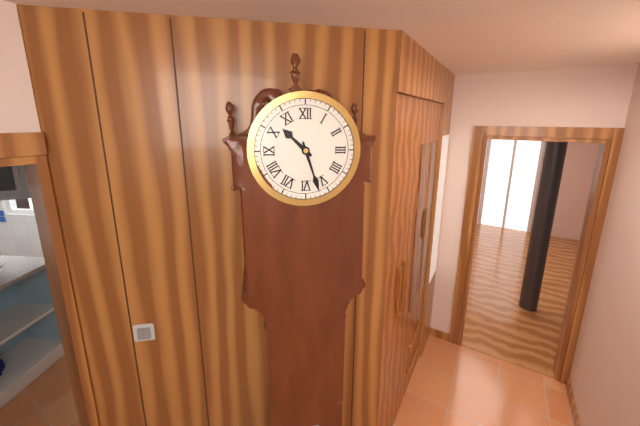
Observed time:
h=10 m=27
